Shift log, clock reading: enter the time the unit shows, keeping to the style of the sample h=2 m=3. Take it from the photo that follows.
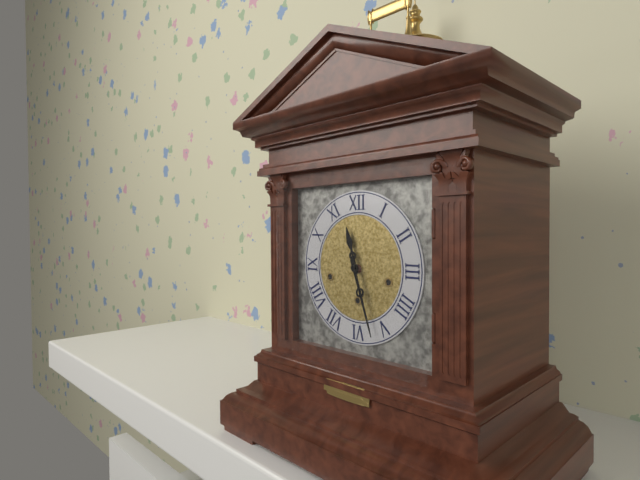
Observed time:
h=11 m=27
